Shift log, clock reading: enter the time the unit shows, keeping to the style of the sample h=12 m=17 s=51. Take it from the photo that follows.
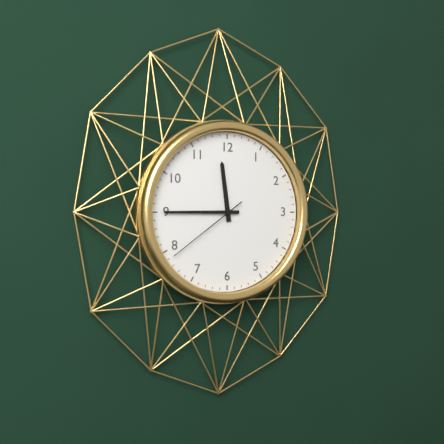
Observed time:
h=11 m=45 s=39
